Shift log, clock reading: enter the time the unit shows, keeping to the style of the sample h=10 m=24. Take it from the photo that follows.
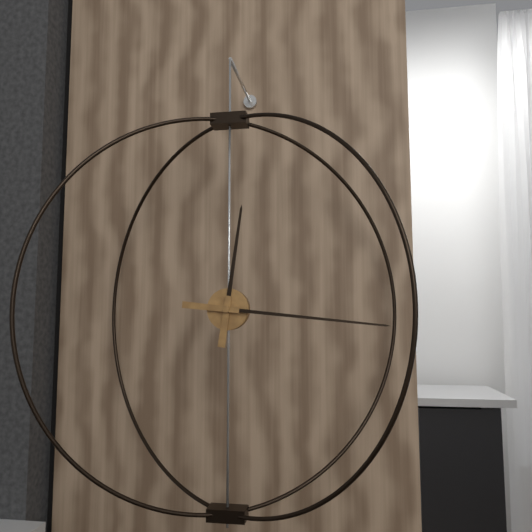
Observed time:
h=12 m=16
